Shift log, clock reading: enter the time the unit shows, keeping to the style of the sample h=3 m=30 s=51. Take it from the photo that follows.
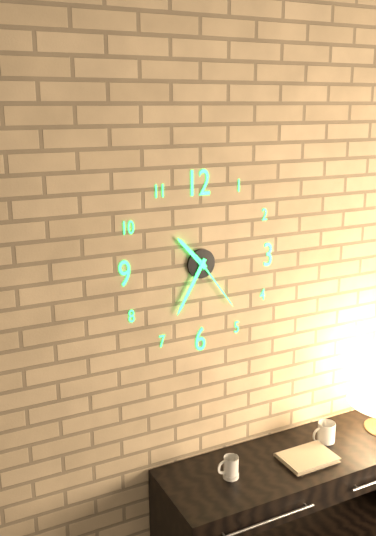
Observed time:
h=10 m=35 s=24
